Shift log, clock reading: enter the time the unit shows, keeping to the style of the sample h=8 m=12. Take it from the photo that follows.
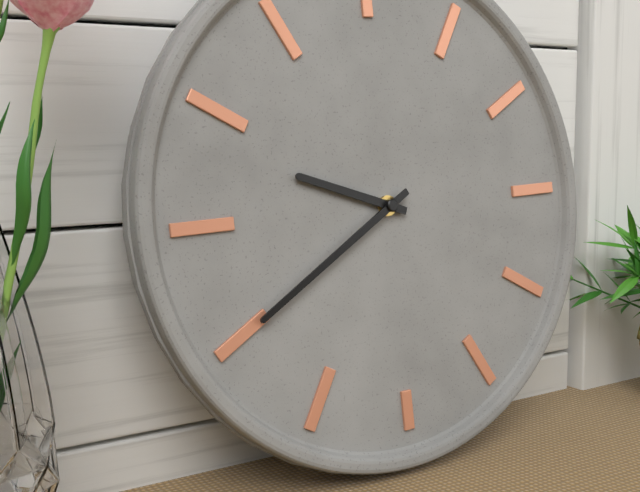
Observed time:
h=9 m=40
